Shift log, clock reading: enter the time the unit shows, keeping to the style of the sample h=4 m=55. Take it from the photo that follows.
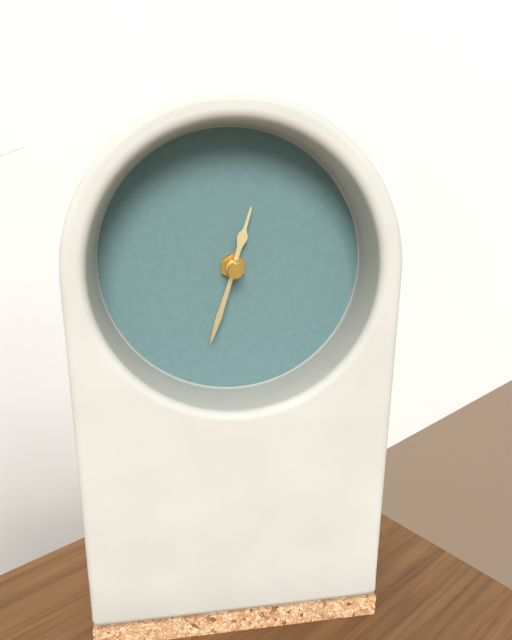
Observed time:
h=12 m=33
